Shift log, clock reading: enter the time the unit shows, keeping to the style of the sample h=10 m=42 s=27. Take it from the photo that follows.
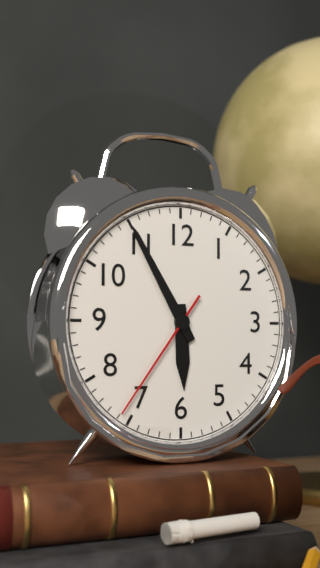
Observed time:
h=5 m=55 s=36
